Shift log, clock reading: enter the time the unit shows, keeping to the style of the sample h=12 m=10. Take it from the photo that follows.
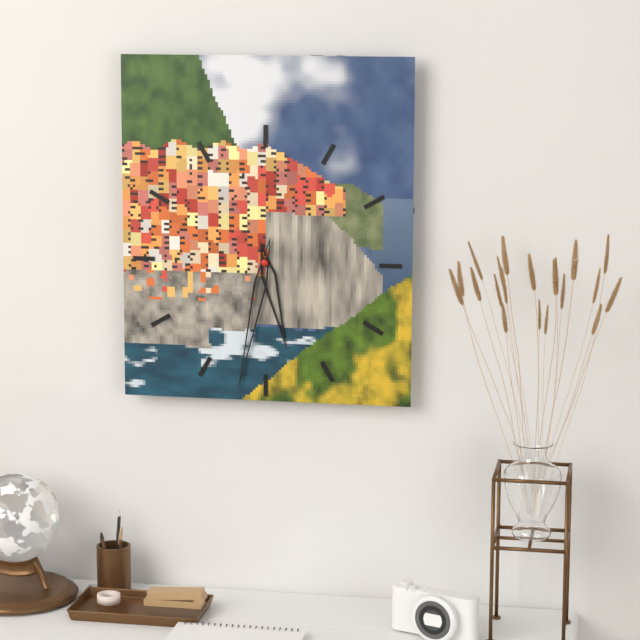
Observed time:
h=5 m=32
